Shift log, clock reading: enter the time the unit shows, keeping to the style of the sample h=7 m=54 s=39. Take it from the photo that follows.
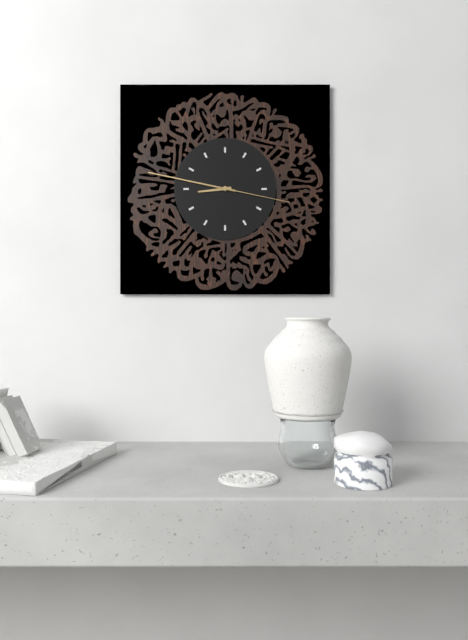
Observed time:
h=8 m=47 s=17
